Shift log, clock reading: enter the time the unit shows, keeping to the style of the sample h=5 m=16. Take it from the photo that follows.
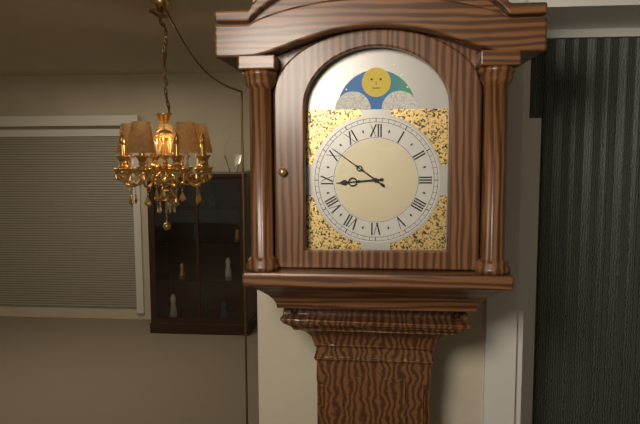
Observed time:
h=8 m=51
